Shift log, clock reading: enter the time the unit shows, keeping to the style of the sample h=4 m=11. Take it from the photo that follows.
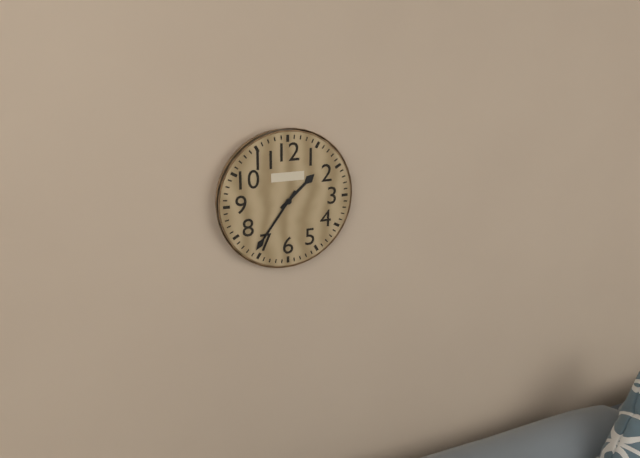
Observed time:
h=1 m=36
